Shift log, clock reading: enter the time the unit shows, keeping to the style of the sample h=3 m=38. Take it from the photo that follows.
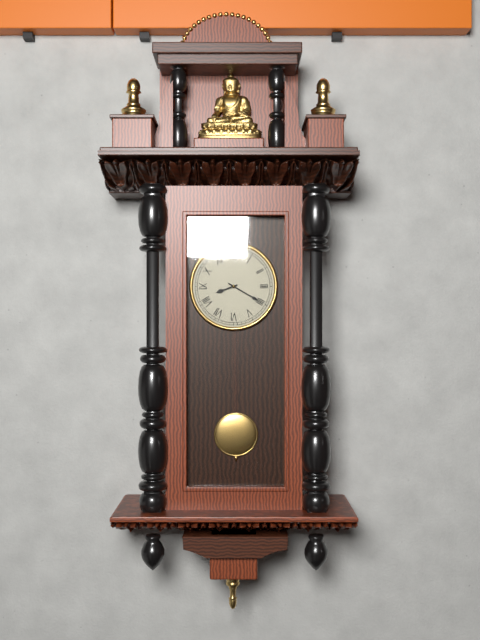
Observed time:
h=8 m=20
